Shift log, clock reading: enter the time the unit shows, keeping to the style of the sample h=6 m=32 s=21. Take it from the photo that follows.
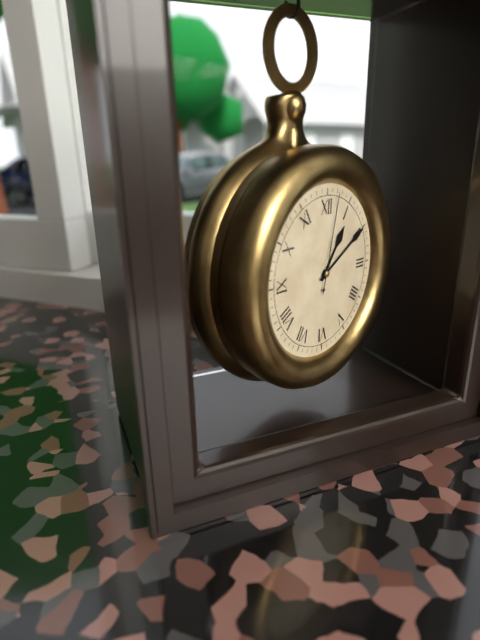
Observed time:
h=1 m=10 s=2
